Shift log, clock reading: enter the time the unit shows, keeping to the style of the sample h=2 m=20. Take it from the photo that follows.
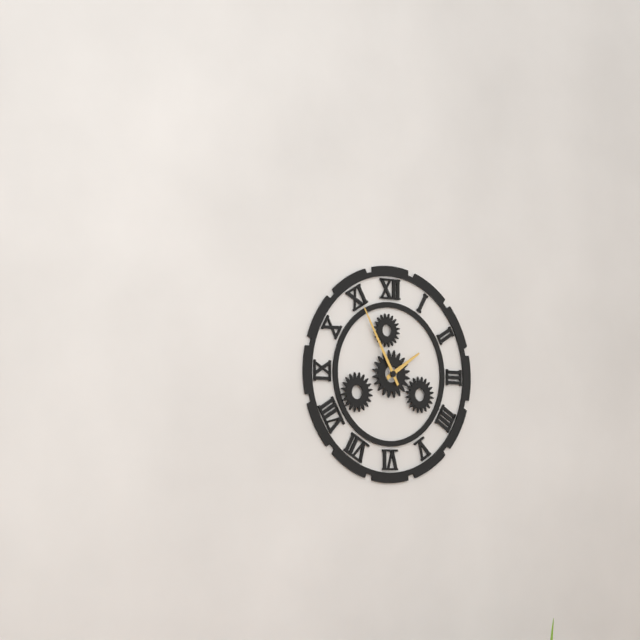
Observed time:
h=1 m=55
